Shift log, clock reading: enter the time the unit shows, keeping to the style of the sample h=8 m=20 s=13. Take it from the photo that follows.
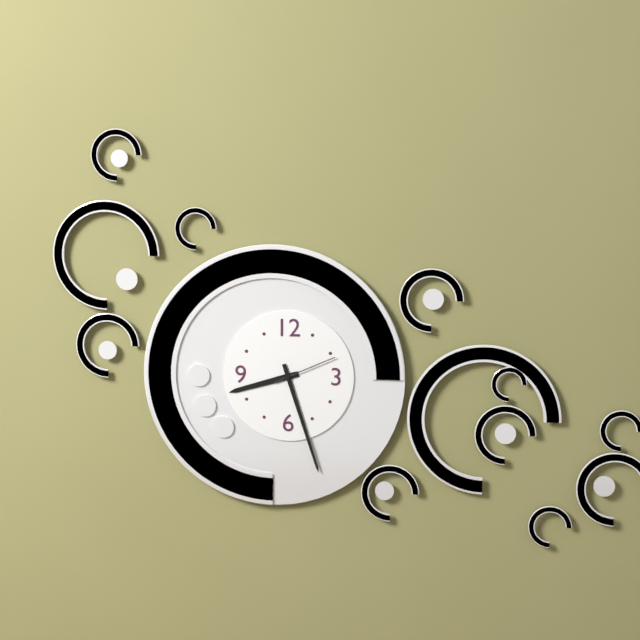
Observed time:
h=8 m=27 s=11
